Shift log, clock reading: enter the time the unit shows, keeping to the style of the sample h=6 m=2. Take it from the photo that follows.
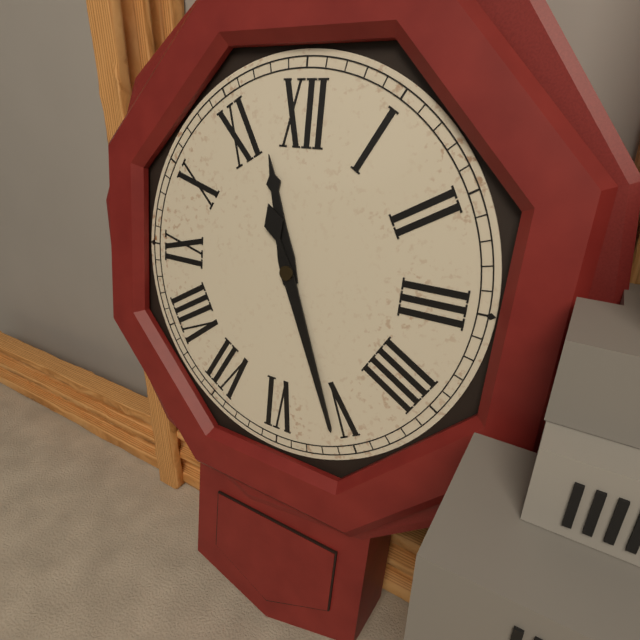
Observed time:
h=11 m=26
